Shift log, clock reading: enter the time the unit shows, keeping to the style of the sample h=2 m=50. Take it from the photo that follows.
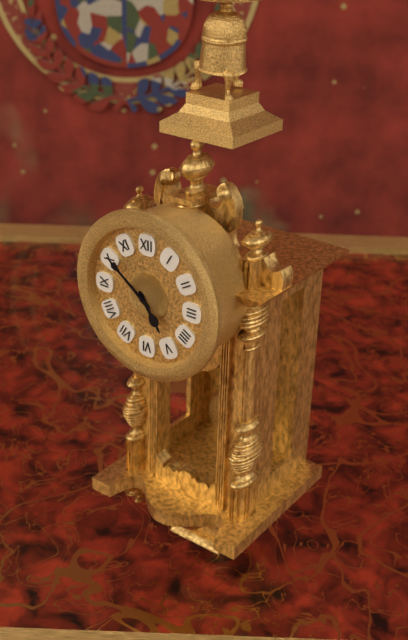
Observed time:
h=4 m=51
